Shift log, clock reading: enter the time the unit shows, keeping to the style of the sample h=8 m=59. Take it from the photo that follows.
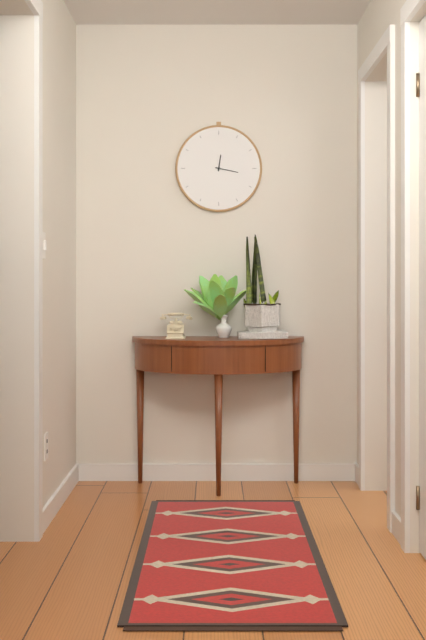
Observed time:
h=12 m=17
